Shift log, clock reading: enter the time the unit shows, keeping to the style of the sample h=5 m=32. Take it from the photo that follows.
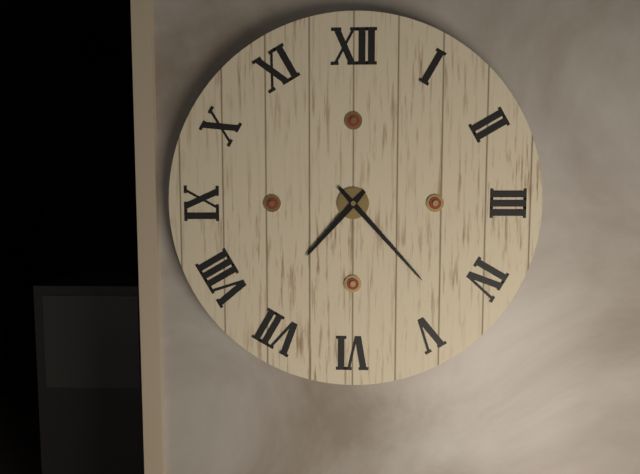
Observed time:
h=7 m=23
